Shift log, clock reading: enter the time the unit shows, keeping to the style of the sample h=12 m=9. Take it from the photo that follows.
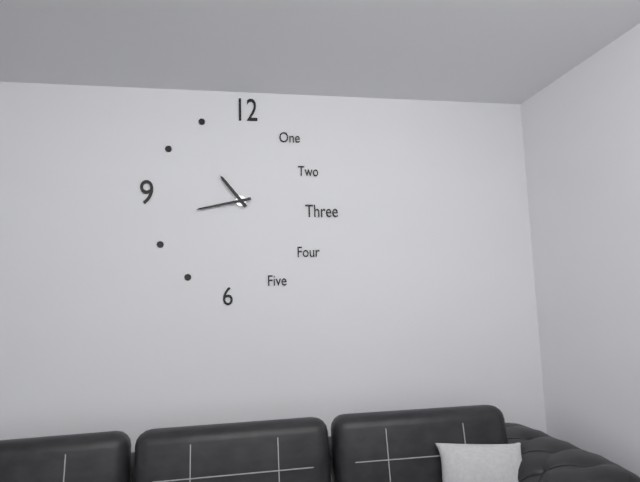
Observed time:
h=10 m=43
